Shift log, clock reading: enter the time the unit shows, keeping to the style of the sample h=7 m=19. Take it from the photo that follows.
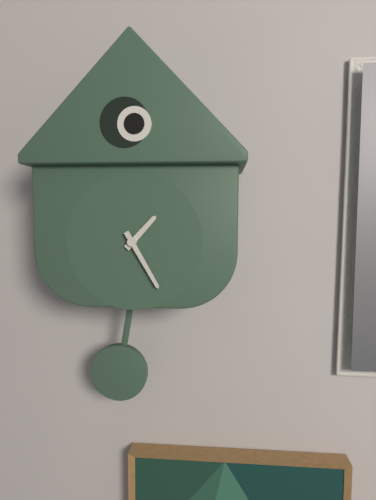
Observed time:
h=1 m=25
